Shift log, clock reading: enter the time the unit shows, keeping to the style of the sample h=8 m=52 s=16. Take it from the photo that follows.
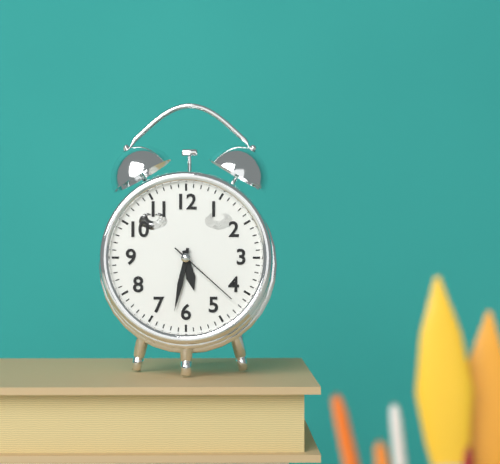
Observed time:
h=5 m=32 s=22
